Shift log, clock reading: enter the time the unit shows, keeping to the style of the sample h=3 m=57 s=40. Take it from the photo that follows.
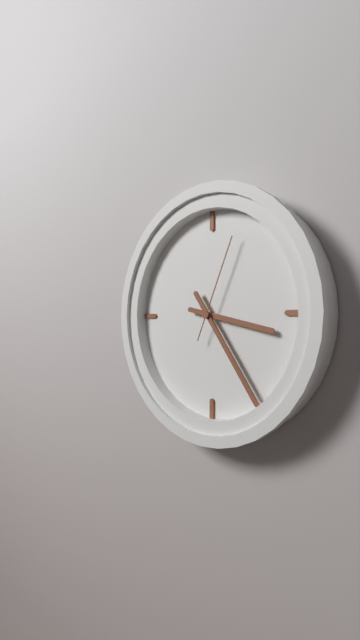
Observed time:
h=3 m=24 s=4
